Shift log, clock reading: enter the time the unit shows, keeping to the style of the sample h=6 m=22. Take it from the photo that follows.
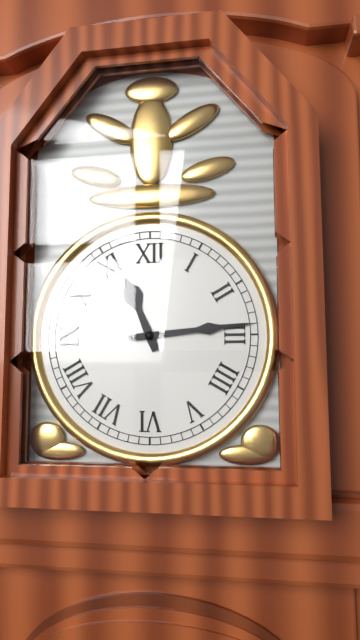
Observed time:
h=11 m=14
